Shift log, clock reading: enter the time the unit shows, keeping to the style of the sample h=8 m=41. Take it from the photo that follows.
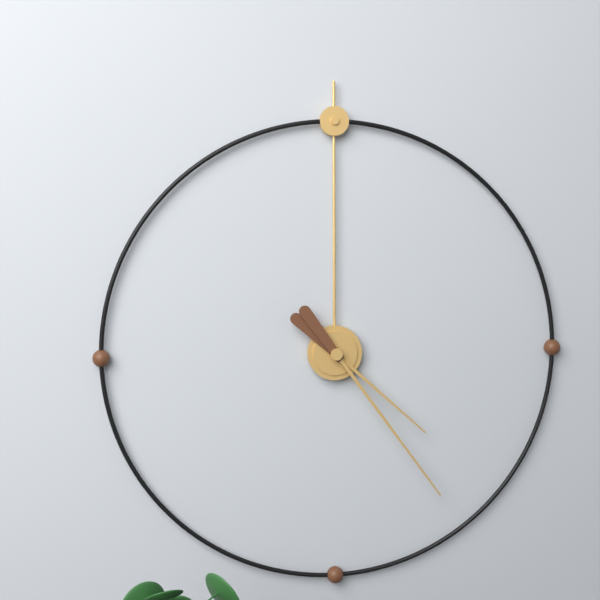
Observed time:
h=4 m=24
